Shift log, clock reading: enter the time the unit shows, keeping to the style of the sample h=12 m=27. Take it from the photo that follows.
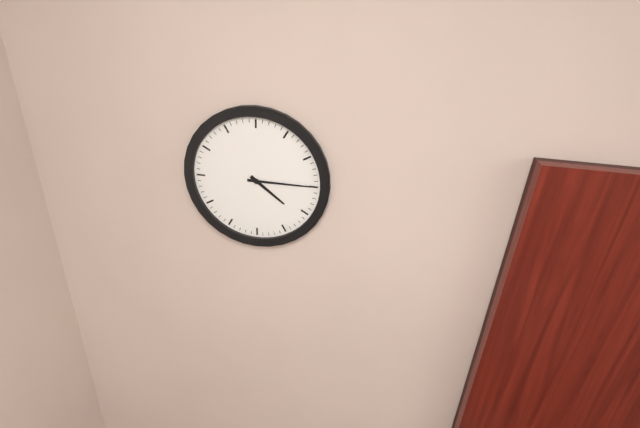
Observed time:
h=4 m=15
